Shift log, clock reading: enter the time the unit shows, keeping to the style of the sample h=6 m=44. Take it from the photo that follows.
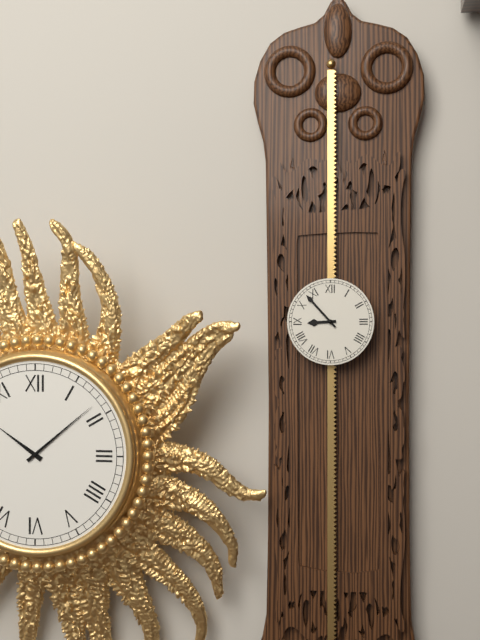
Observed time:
h=8 m=53
